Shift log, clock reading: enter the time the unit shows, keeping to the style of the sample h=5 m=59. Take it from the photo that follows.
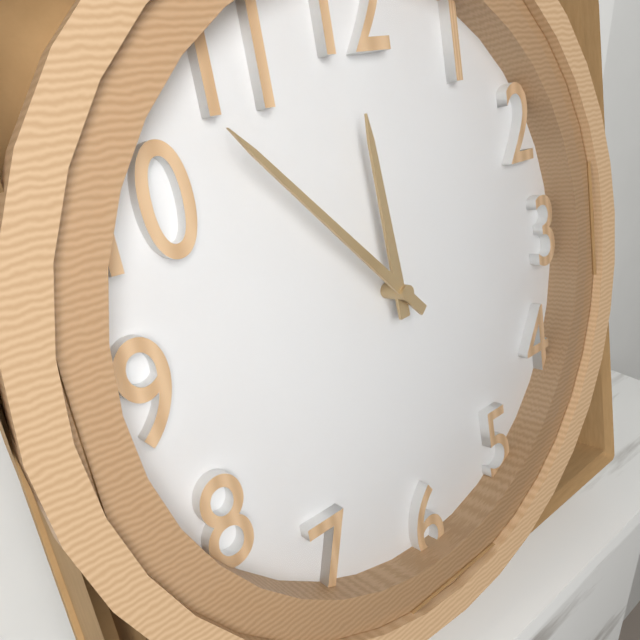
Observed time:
h=11 m=53
